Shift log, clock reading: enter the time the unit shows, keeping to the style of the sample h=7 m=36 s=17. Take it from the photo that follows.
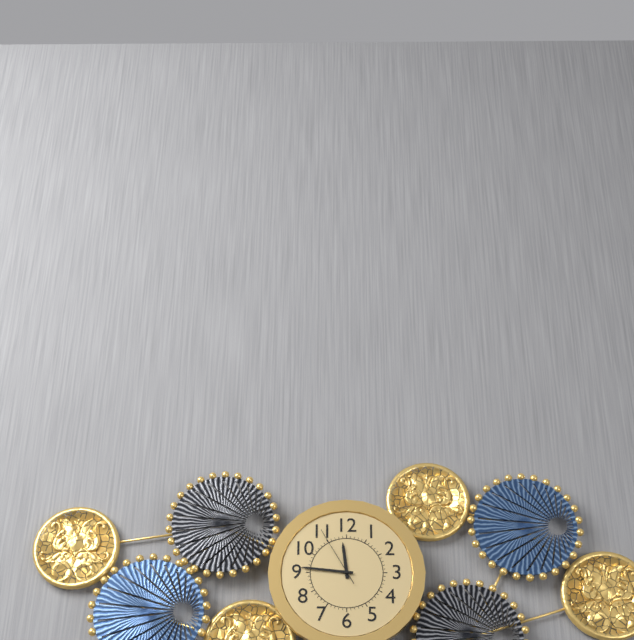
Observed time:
h=11 m=46 s=55
